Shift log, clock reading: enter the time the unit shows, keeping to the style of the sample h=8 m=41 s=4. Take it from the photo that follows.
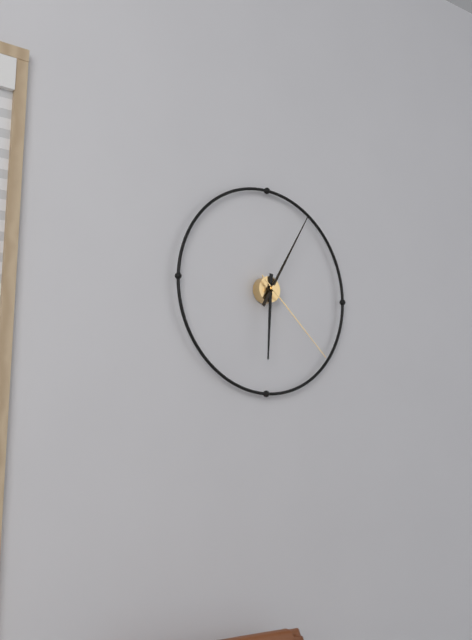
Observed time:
h=6 m=5 s=22
